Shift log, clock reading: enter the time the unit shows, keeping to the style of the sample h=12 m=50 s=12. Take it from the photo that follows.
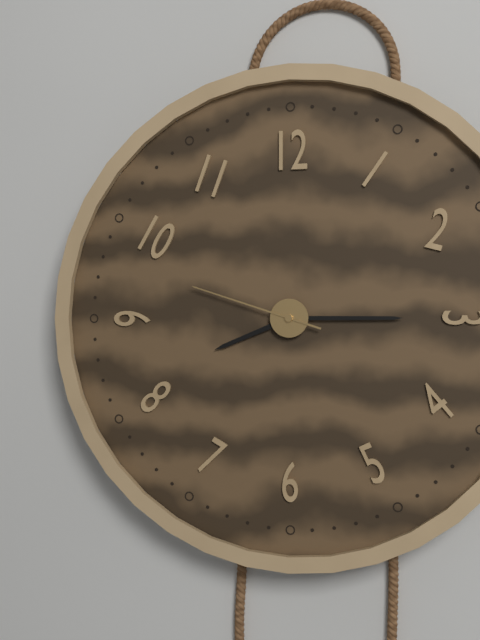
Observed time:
h=8 m=15 s=48
